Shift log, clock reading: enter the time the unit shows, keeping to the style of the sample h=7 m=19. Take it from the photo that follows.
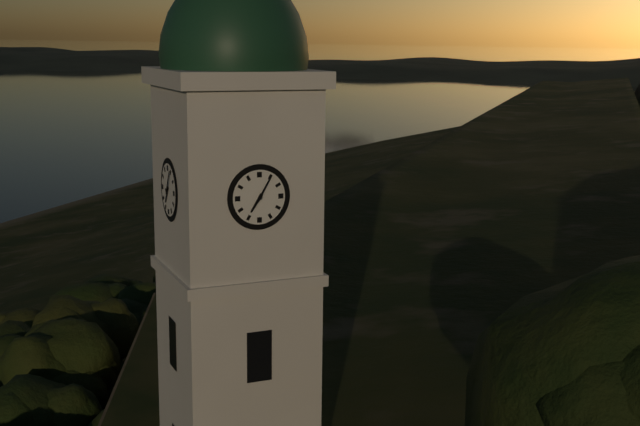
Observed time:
h=7 m=5
